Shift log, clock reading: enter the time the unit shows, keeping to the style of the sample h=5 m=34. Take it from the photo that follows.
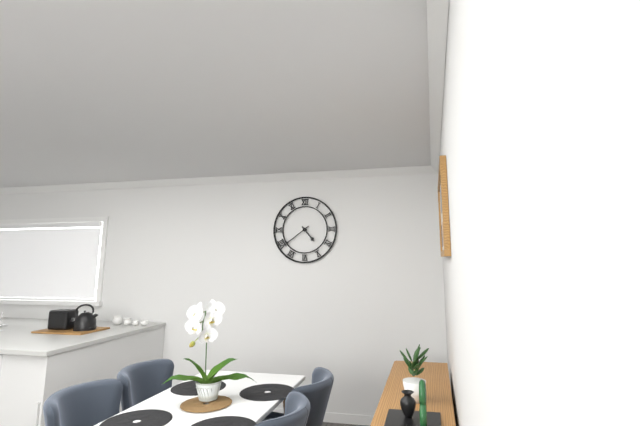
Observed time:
h=4 m=39
